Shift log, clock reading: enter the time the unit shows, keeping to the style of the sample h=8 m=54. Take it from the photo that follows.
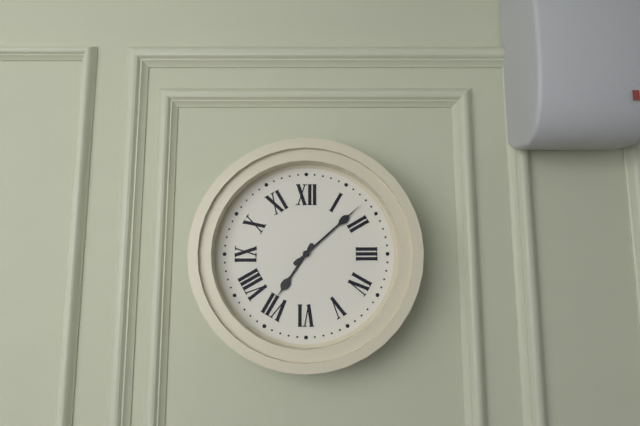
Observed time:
h=7 m=8
